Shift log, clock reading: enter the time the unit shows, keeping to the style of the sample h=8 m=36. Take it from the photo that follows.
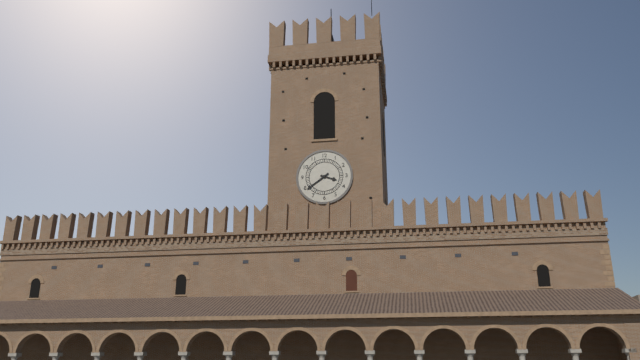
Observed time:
h=3 m=39
